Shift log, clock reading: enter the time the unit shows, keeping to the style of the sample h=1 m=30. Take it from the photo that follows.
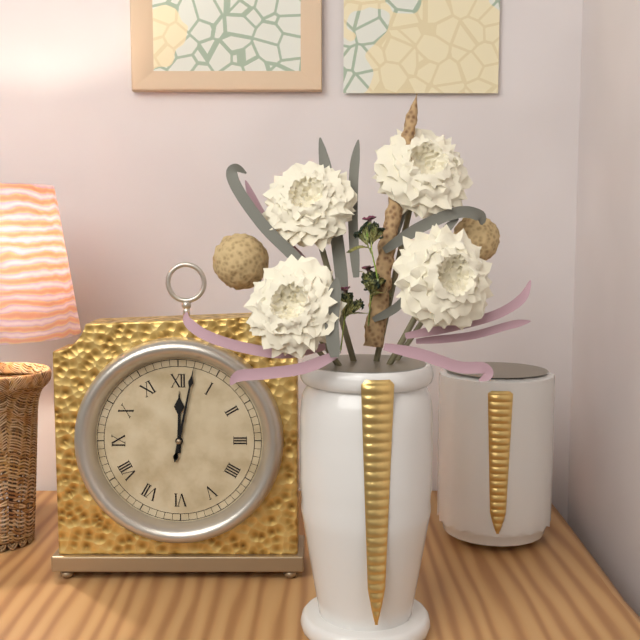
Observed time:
h=12 m=2
